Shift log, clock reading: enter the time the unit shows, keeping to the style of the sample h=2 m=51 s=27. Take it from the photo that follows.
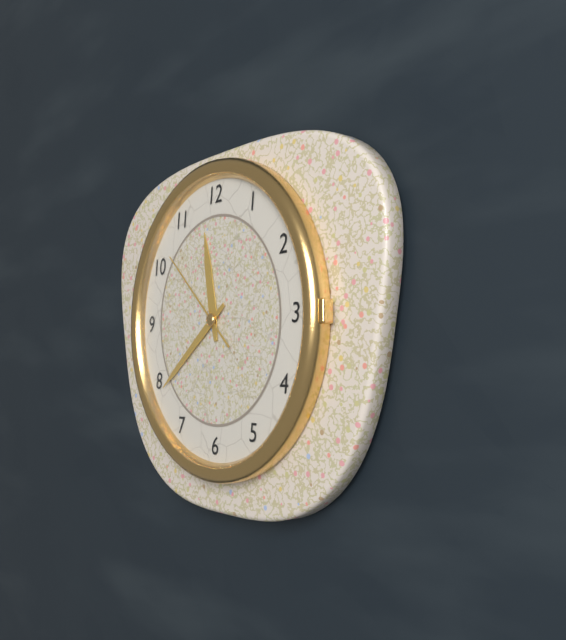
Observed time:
h=11 m=39 s=52
